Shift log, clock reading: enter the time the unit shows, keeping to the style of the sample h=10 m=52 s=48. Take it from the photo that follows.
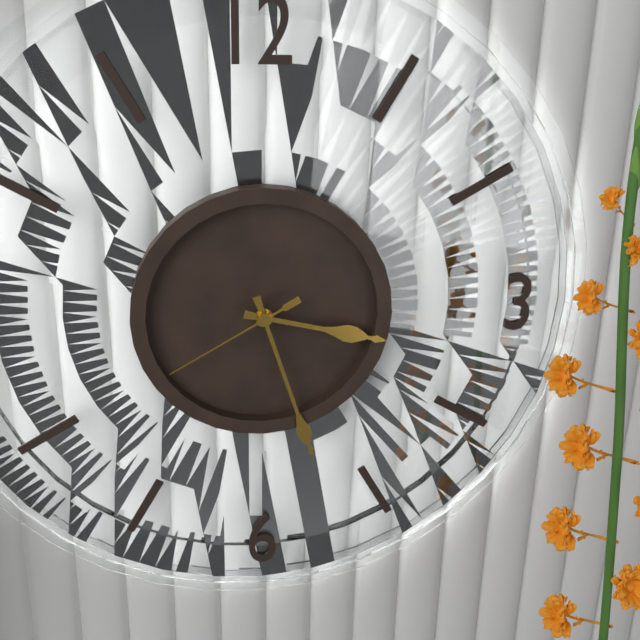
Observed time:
h=3 m=27 s=40
